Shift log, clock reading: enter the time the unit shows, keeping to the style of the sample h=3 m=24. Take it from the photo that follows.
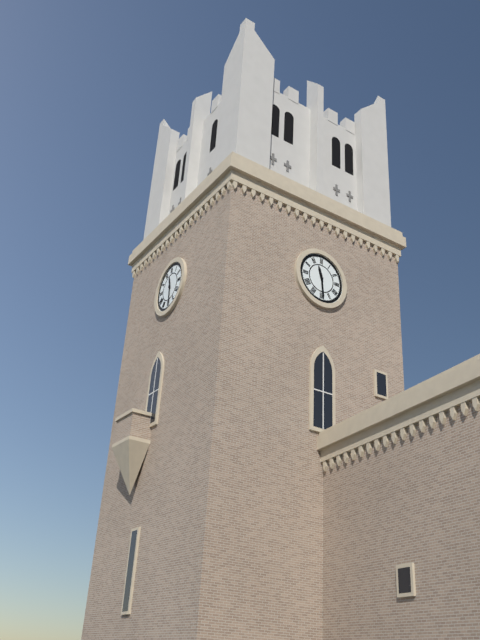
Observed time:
h=11 m=29
